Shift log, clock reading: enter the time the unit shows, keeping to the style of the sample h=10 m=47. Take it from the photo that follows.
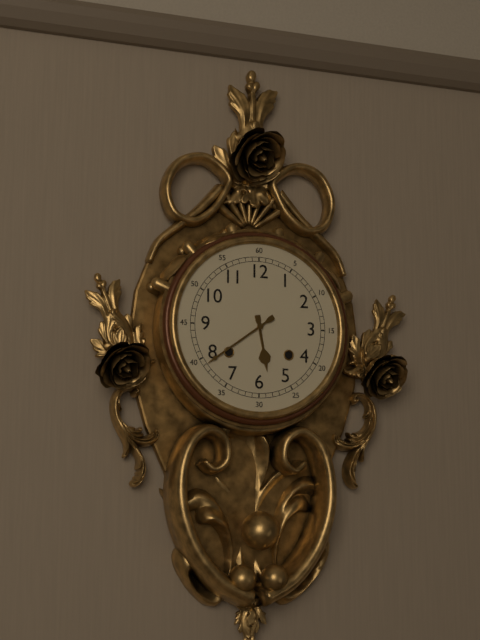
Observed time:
h=5 m=39
